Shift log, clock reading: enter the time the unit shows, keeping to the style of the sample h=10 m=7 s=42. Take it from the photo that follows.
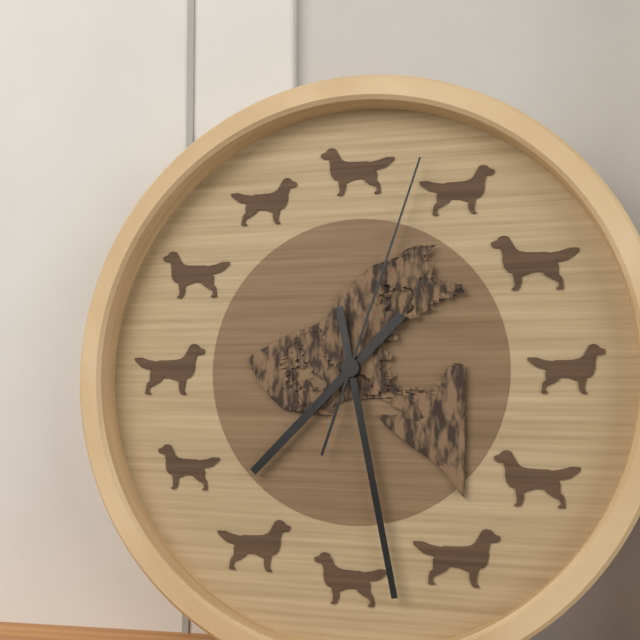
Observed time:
h=7 m=28 s=3
